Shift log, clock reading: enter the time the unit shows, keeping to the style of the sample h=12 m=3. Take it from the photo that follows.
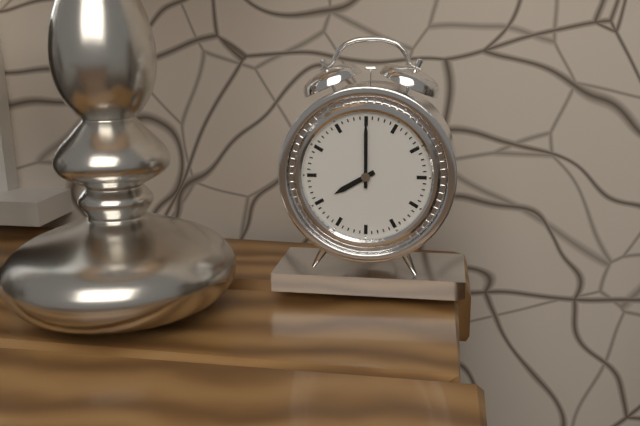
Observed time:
h=8 m=0
